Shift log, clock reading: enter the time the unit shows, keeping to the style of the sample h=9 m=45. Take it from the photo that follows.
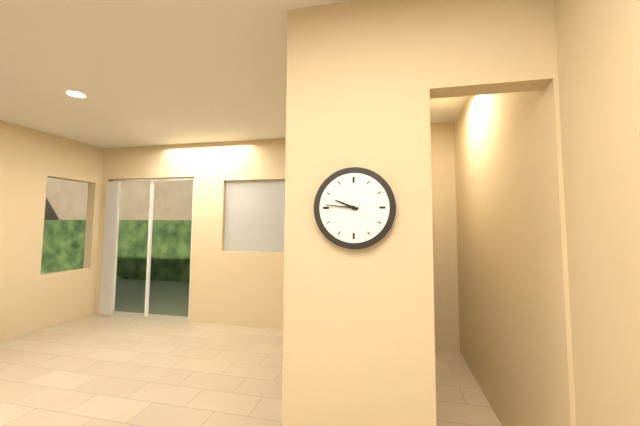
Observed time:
h=9 m=46
